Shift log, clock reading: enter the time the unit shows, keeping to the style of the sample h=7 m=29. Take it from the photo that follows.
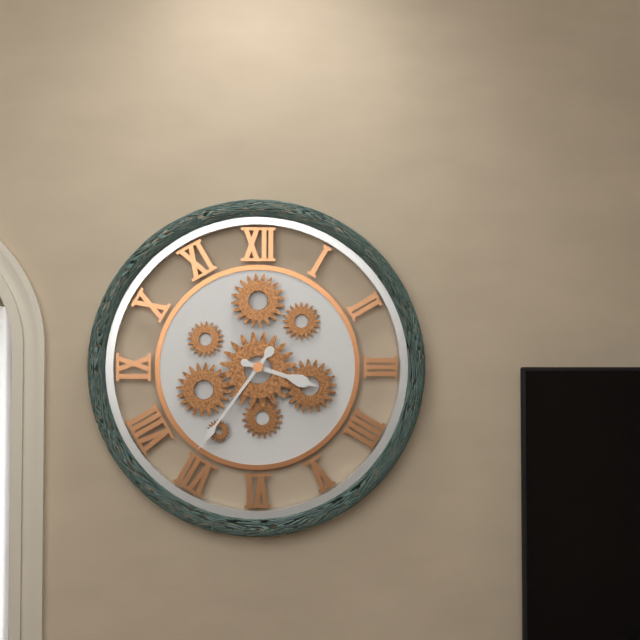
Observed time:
h=3 m=36
